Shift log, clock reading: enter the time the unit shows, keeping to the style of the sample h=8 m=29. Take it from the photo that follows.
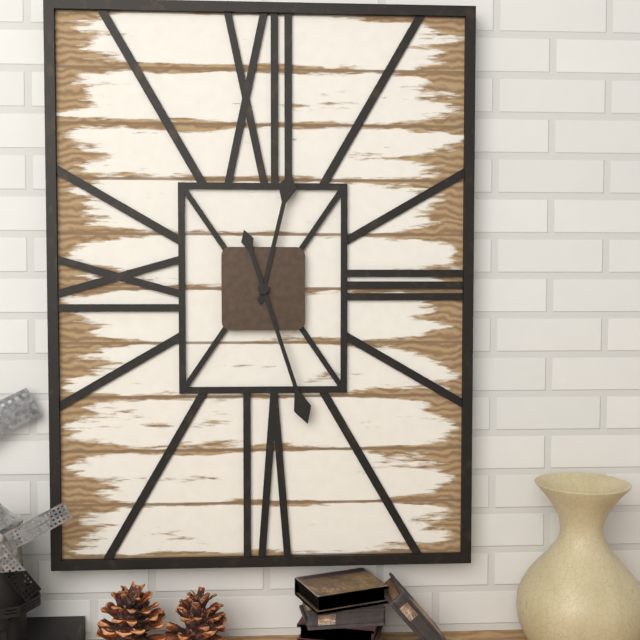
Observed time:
h=12 m=27
